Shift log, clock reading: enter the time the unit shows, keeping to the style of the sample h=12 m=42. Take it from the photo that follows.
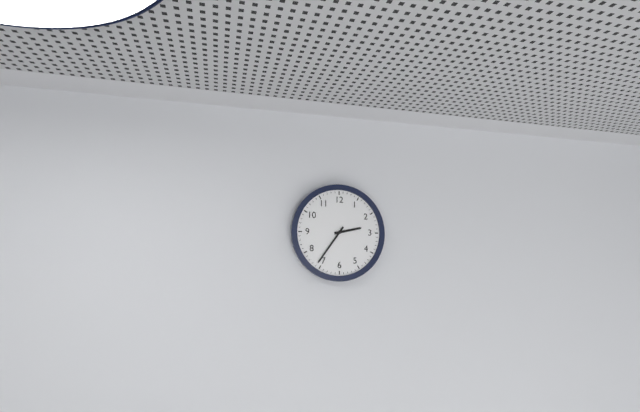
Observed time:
h=2 m=36
